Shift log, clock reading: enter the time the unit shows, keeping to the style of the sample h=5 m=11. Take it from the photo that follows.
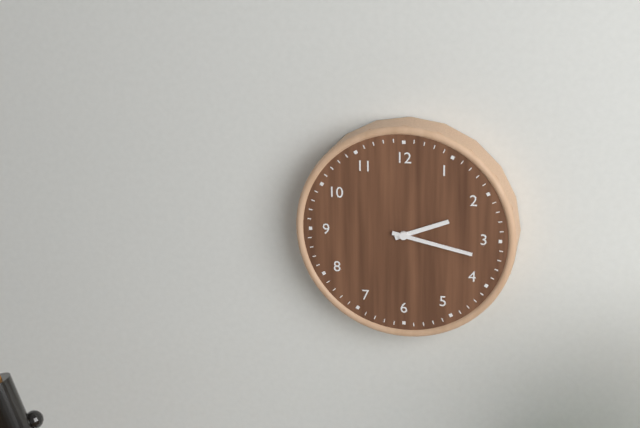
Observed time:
h=2 m=17
